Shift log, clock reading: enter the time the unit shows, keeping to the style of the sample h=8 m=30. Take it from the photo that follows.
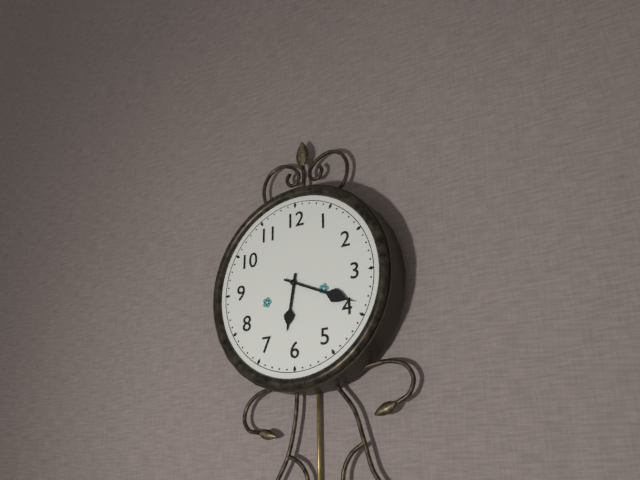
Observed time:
h=6 m=19
